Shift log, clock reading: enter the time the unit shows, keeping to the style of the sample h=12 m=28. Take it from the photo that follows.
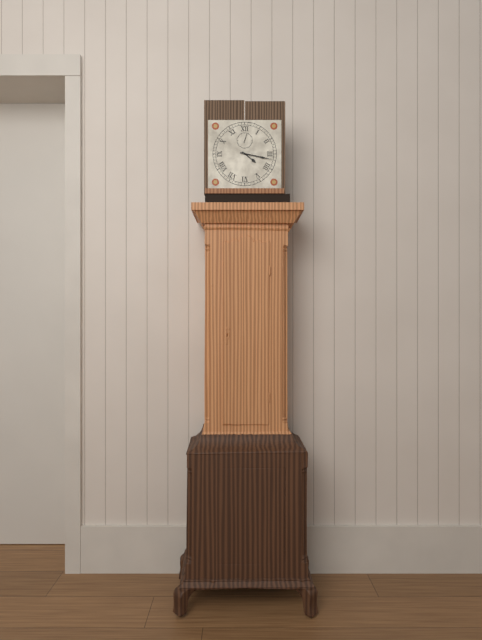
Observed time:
h=4 m=17
